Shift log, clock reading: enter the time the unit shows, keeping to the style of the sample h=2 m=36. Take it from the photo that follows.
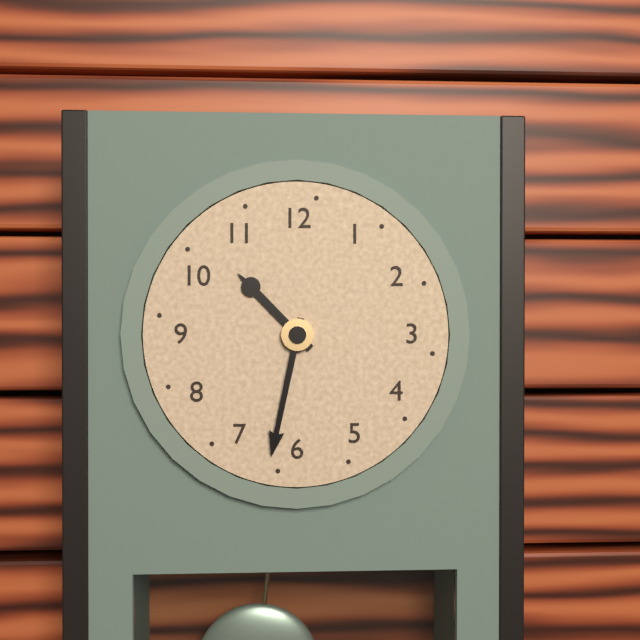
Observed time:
h=10 m=32
